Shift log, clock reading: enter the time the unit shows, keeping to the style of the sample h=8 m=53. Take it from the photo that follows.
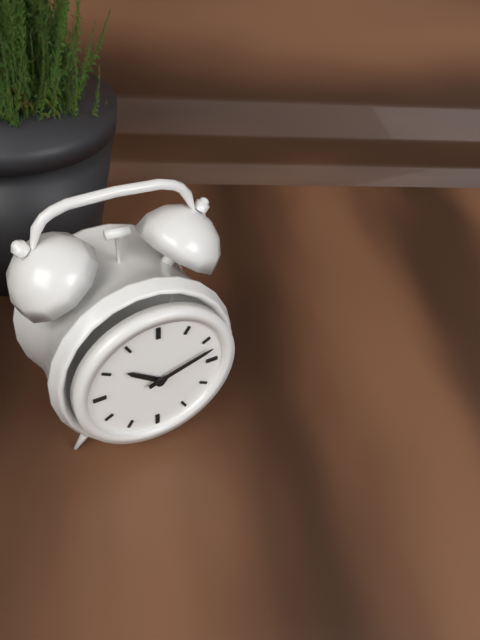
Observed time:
h=10 m=12
